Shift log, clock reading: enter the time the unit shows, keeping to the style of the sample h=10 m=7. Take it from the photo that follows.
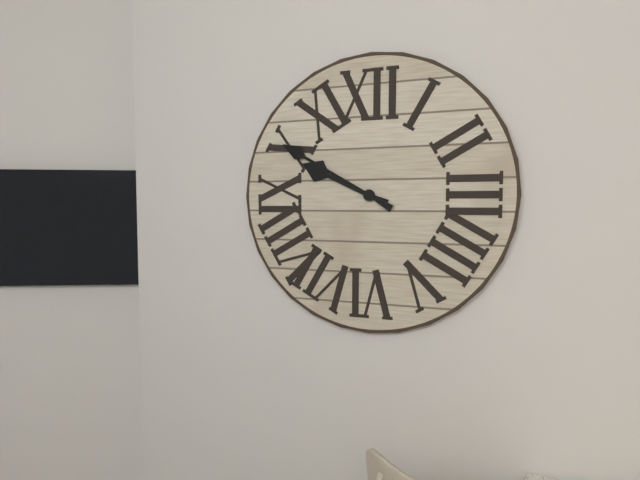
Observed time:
h=9 m=50
